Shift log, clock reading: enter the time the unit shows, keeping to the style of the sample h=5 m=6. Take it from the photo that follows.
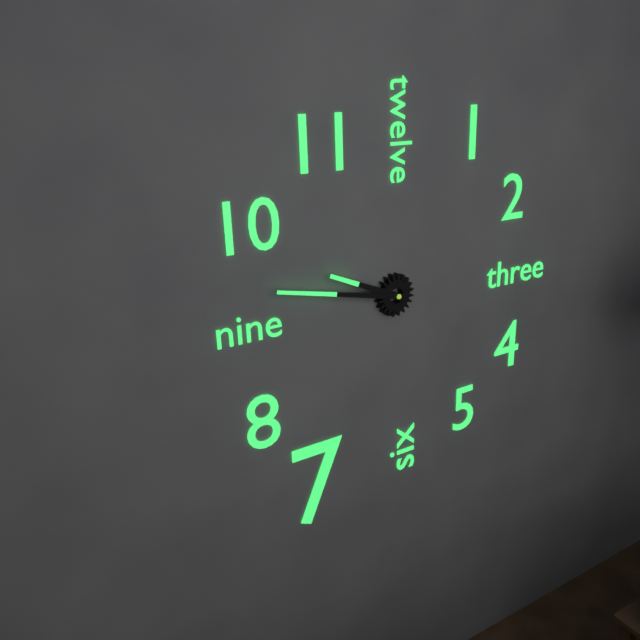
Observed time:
h=9 m=47
